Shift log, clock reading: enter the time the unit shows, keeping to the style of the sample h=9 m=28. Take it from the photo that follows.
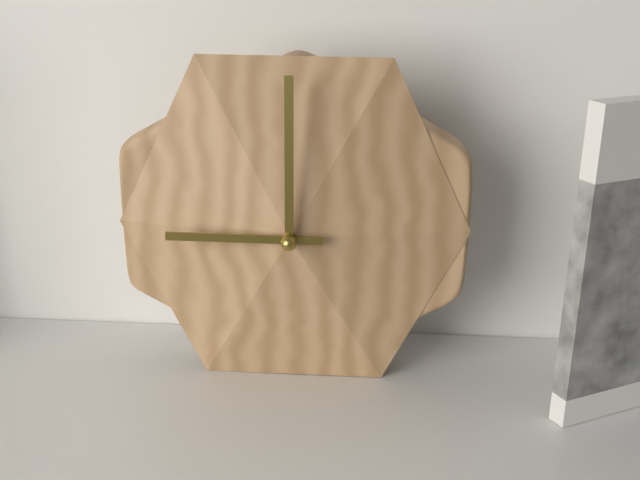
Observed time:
h=9 m=0
